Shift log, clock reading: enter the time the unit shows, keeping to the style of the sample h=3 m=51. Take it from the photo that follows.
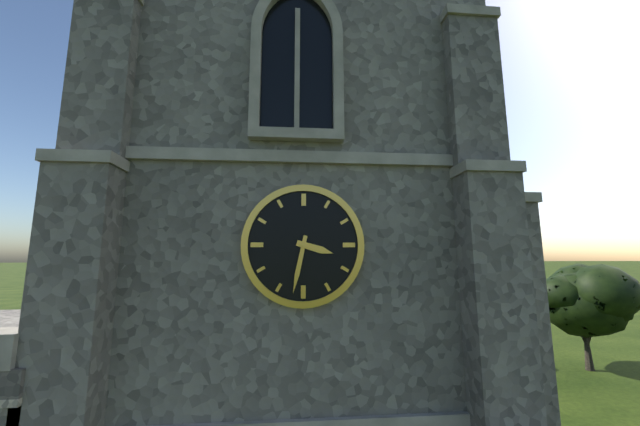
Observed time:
h=3 m=32
